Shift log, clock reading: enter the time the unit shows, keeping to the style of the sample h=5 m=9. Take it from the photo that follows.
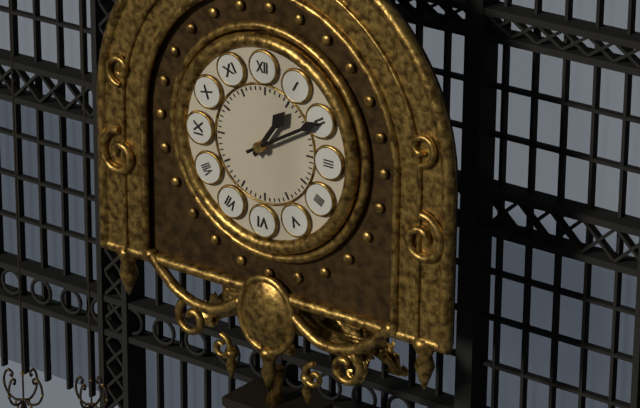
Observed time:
h=1 m=10
